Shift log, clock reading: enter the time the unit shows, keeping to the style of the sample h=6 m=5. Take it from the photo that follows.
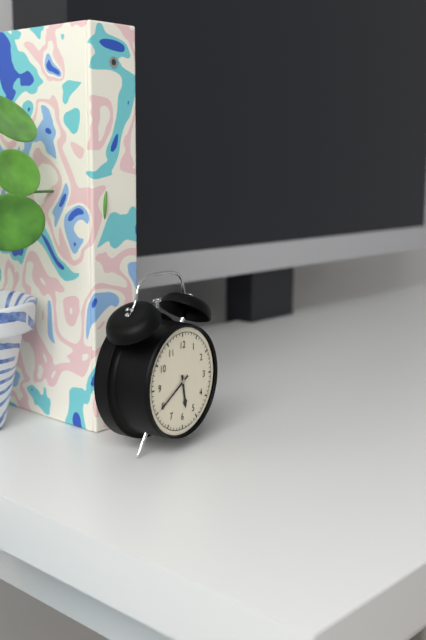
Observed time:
h=5 m=40
